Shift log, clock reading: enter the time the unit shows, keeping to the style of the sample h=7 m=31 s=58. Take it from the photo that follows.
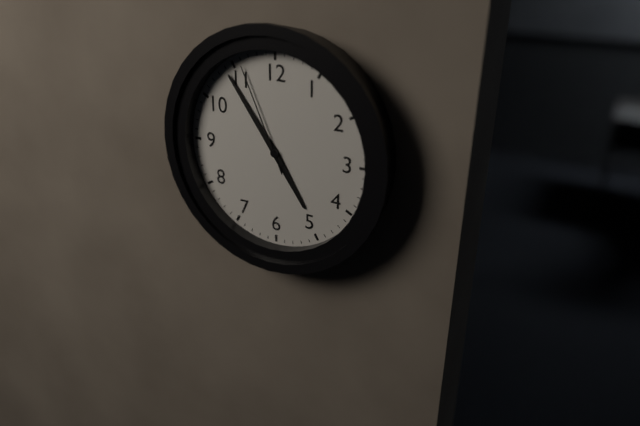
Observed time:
h=4 m=54 s=56
